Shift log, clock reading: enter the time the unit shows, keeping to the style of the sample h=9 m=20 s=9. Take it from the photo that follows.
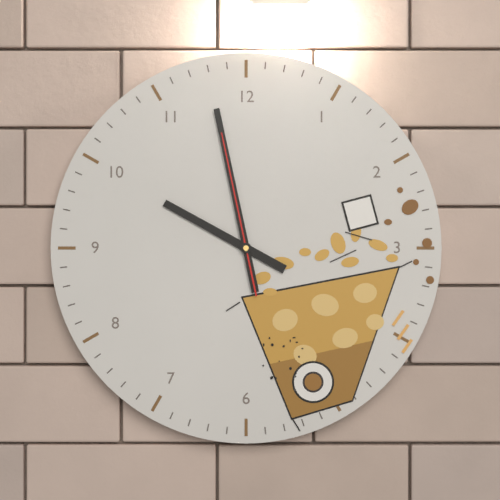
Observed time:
h=9 m=58 s=58
